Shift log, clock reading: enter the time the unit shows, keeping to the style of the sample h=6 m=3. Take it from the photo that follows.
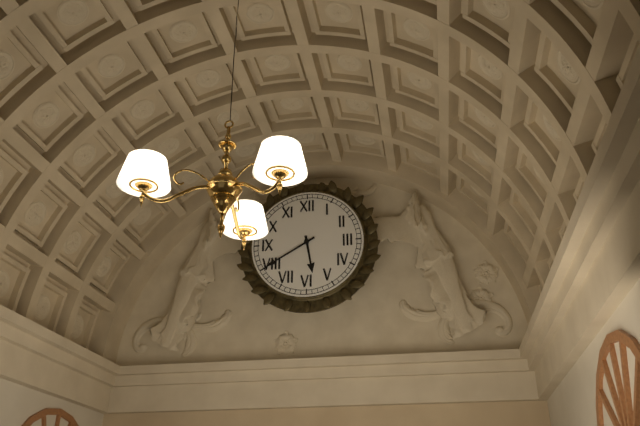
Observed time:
h=5 m=40
